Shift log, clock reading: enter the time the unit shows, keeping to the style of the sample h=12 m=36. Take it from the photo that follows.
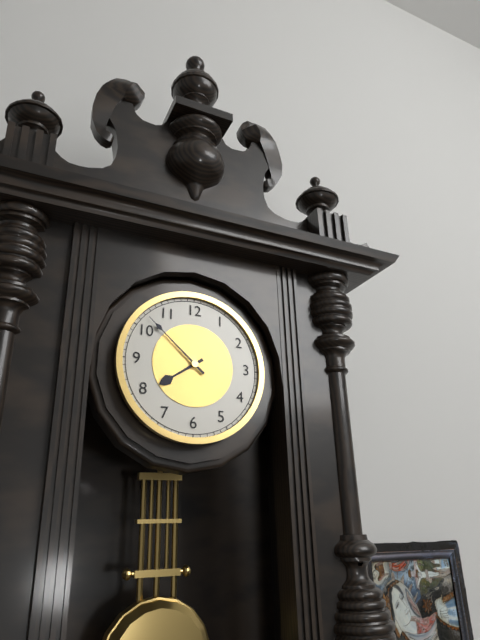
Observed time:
h=7 m=52
